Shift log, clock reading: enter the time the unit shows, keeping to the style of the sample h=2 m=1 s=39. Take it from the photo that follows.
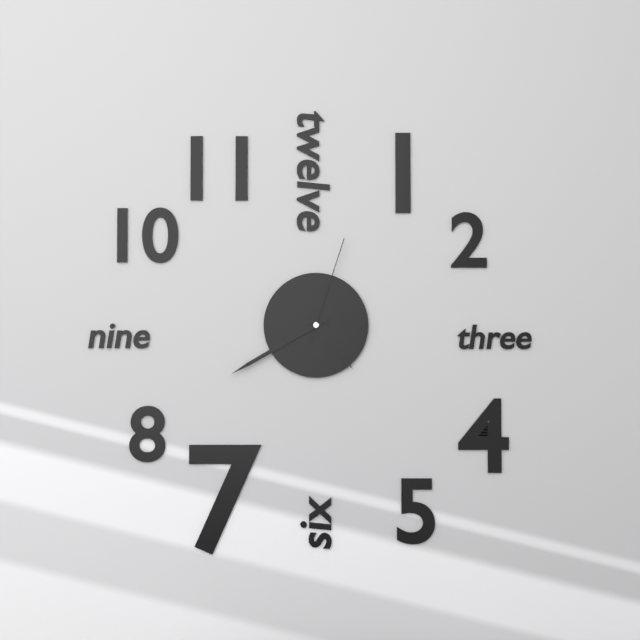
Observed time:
h=4 m=40 s=3
